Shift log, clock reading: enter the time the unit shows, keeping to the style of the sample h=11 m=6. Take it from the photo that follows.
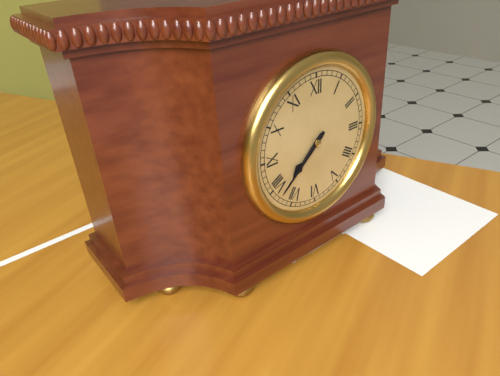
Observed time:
h=7 m=38
